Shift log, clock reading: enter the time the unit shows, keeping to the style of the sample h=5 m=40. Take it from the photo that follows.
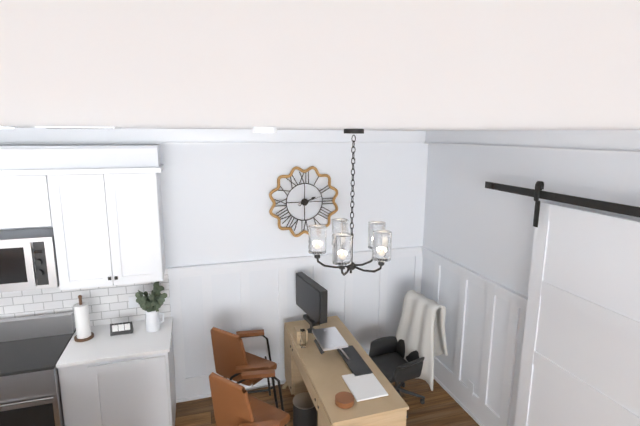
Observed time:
h=2 m=12
